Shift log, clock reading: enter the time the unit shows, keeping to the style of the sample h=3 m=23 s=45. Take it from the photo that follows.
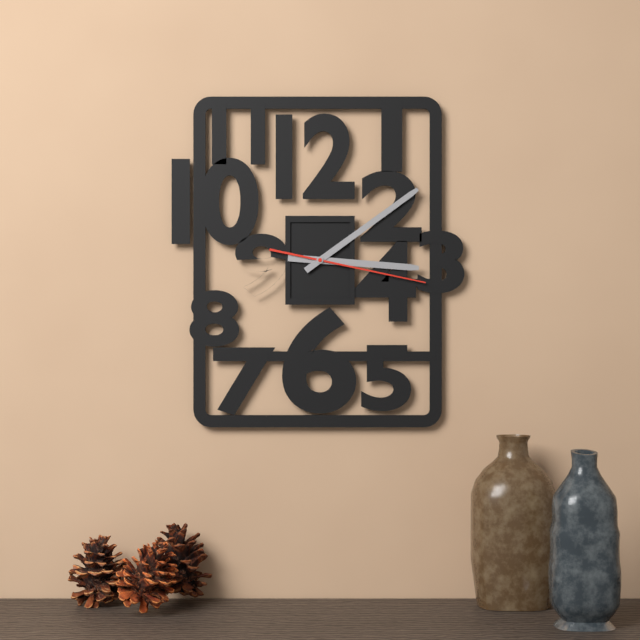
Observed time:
h=3 m=9 s=17
